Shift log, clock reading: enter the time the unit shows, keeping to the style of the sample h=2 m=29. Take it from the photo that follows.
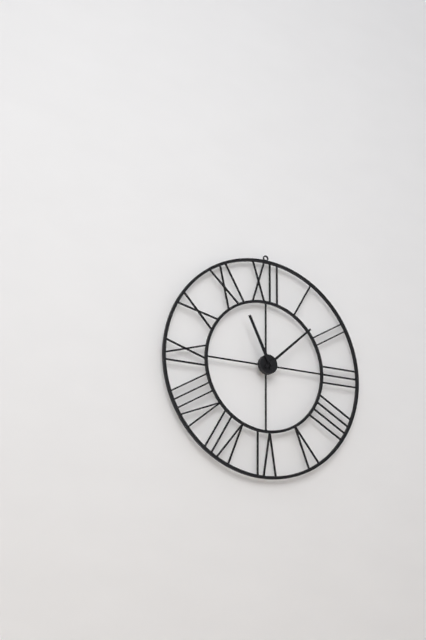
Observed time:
h=11 m=8
